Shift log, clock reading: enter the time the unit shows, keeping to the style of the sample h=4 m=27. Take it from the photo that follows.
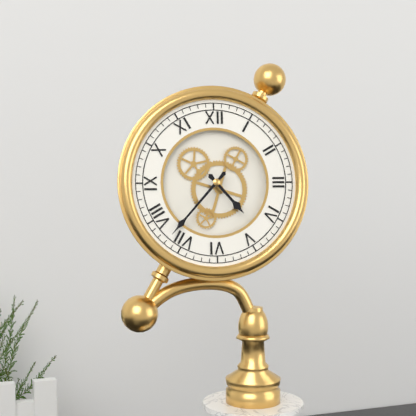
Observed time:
h=4 m=37
